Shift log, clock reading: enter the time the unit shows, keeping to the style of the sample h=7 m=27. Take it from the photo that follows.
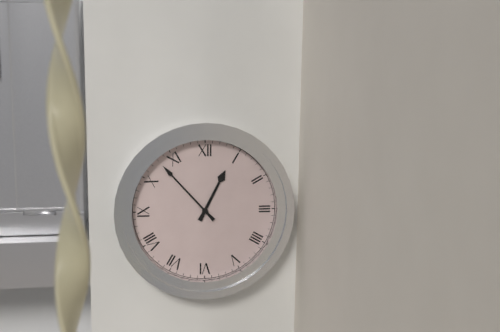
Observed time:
h=12 m=53
